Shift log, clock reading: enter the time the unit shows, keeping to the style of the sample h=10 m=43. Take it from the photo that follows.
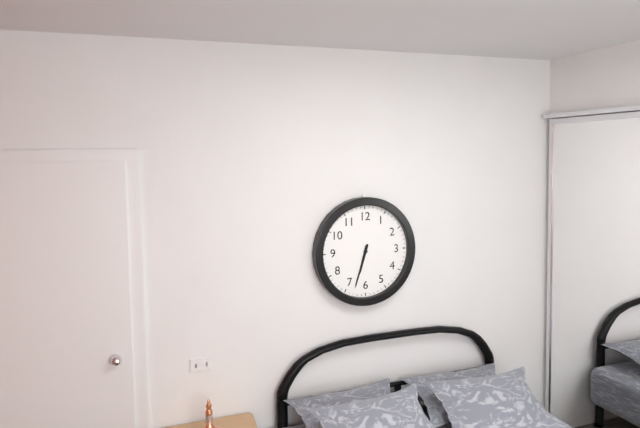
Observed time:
h=6 m=33
